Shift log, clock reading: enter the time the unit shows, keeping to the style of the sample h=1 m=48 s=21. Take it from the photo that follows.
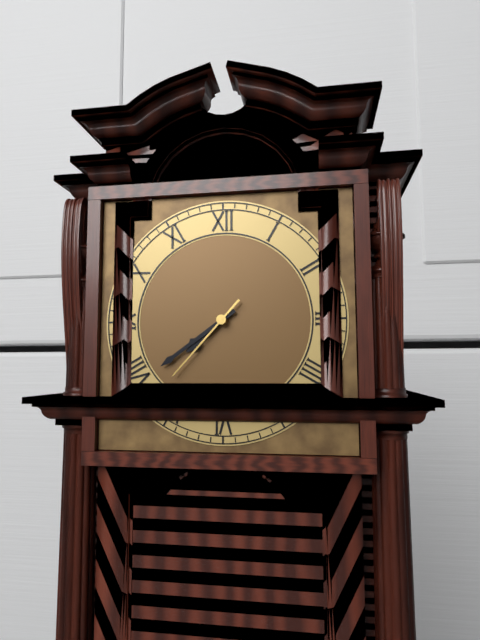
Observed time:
h=7 m=39 s=37
